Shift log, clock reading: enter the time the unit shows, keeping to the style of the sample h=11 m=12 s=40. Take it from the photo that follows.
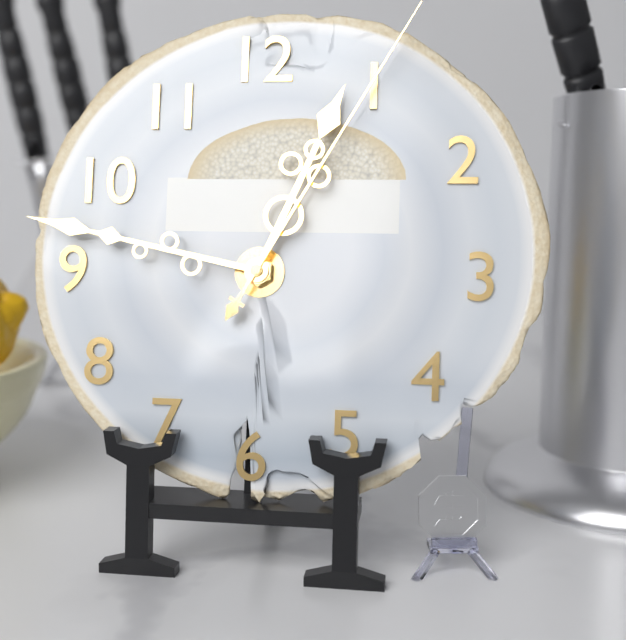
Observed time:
h=12 m=47 s=5
